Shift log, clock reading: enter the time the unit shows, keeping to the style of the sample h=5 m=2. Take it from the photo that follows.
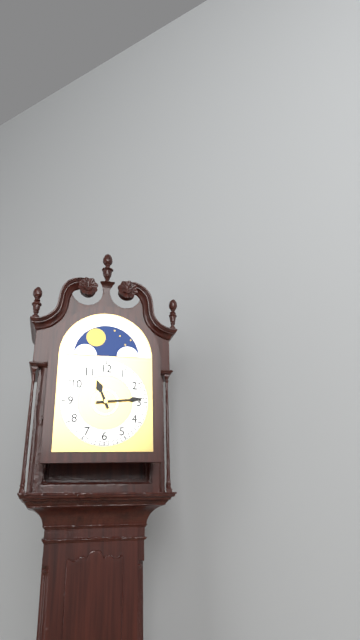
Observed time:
h=11 m=14
